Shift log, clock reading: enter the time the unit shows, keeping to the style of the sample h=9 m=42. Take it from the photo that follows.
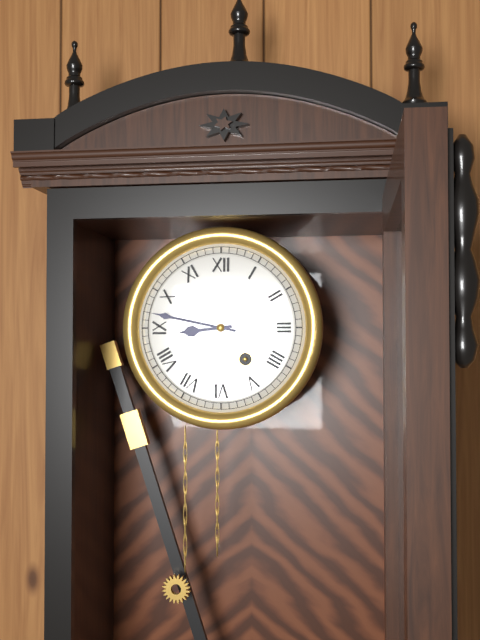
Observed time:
h=8 m=47
